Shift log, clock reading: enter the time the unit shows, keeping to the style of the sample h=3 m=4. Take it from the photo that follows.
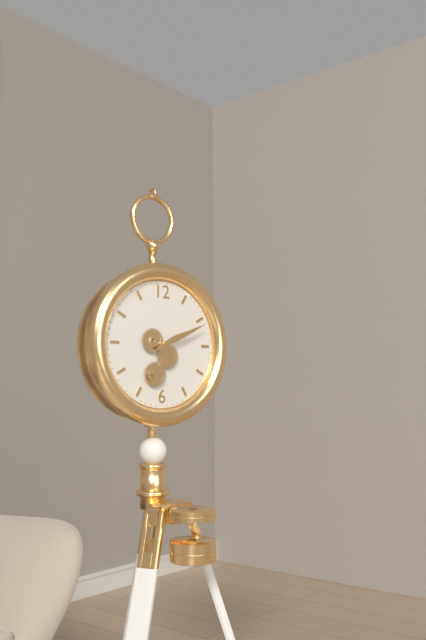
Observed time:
h=2 m=11
